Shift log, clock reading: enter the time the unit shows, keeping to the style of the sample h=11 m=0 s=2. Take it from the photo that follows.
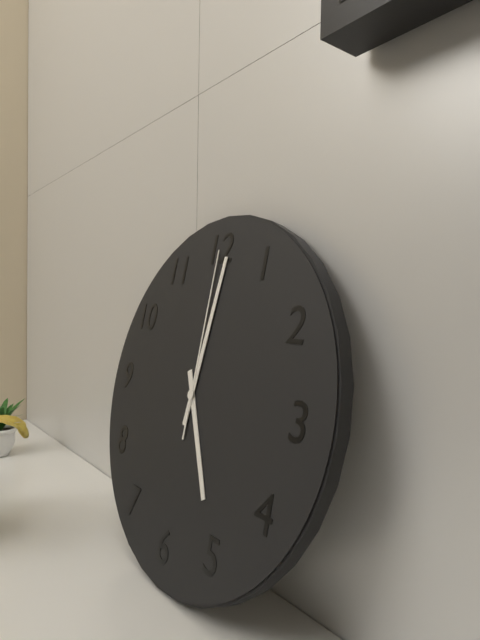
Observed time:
h=5 m=1 s=0
